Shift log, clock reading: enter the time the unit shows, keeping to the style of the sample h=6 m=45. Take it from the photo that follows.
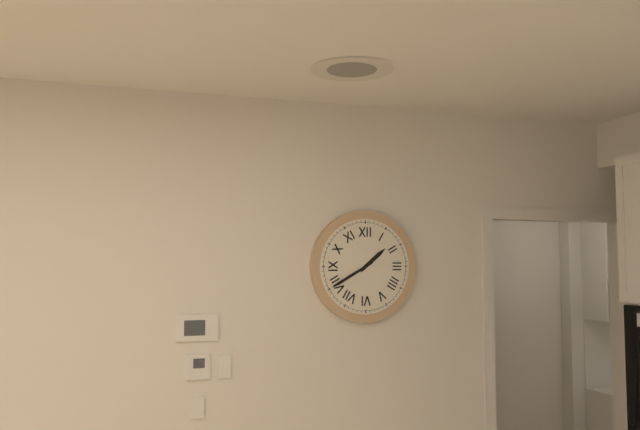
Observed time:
h=1 m=40
